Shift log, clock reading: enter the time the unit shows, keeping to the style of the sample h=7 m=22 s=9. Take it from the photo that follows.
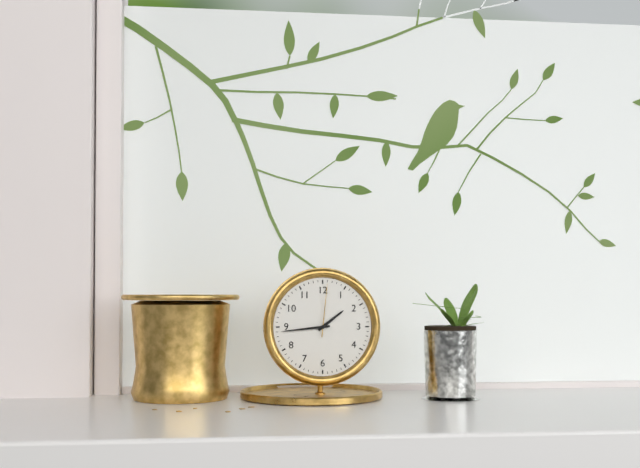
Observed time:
h=1 m=44 s=1
